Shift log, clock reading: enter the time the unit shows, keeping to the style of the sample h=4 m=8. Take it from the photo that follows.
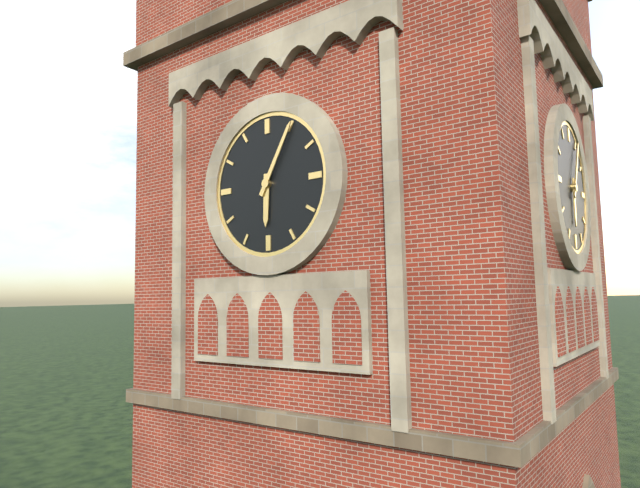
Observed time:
h=6 m=5
